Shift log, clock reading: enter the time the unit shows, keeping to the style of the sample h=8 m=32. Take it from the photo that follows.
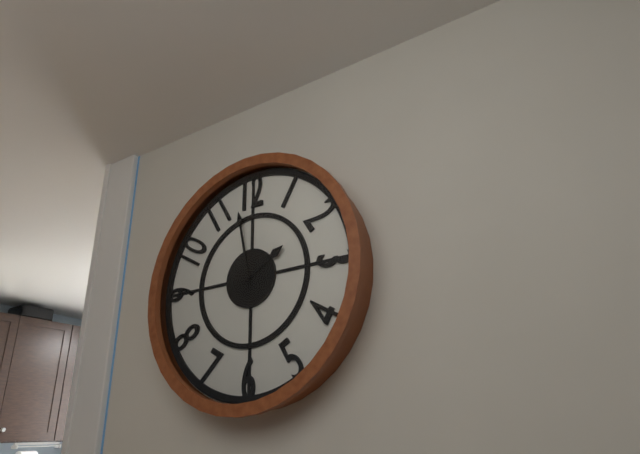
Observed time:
h=1 m=58
